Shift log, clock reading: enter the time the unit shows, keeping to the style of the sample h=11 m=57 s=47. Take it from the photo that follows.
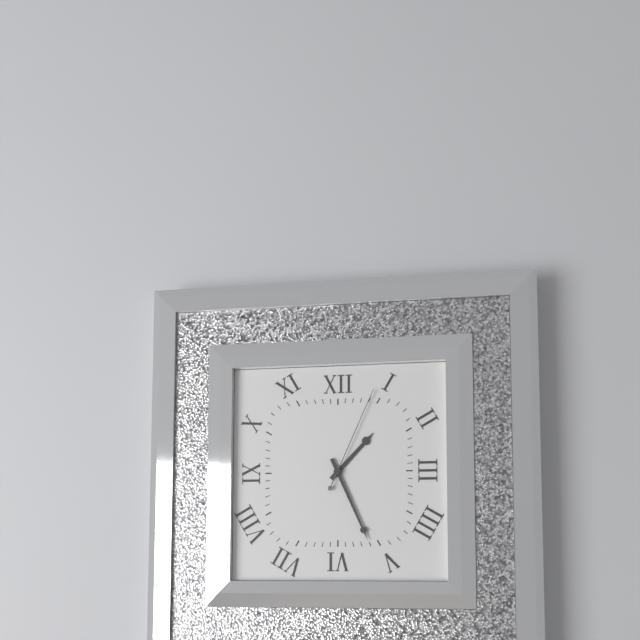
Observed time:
h=1 m=26 s=4
